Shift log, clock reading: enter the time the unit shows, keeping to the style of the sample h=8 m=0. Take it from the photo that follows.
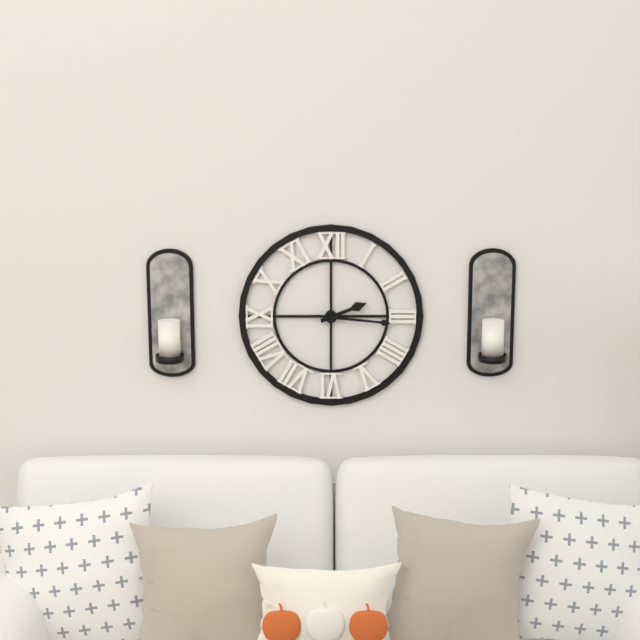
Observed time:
h=2 m=16
